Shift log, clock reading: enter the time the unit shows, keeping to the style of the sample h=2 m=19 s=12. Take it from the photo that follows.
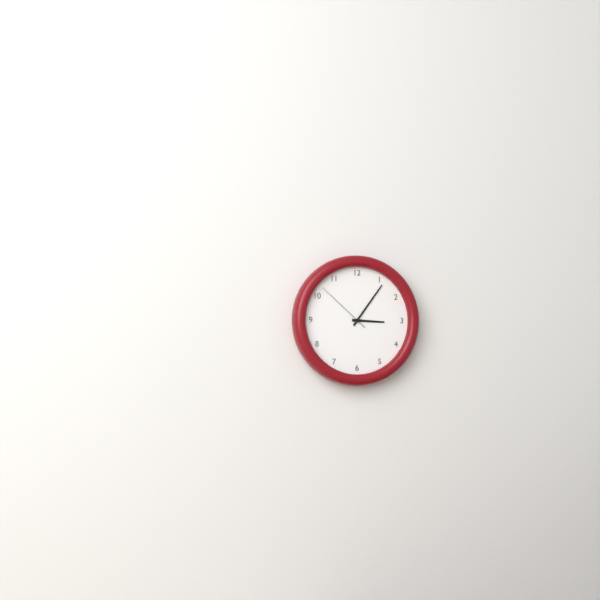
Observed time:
h=3 m=6 s=52
